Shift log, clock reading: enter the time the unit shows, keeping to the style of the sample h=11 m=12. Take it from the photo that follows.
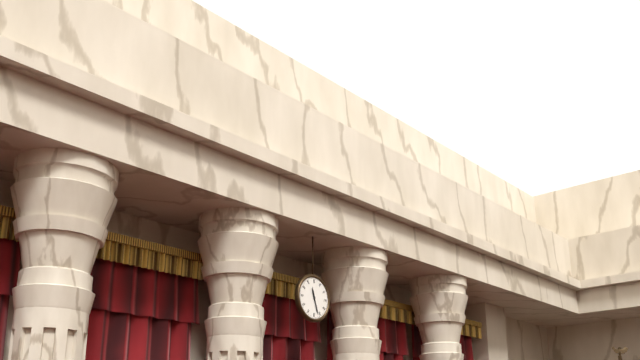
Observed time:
h=11 m=27
